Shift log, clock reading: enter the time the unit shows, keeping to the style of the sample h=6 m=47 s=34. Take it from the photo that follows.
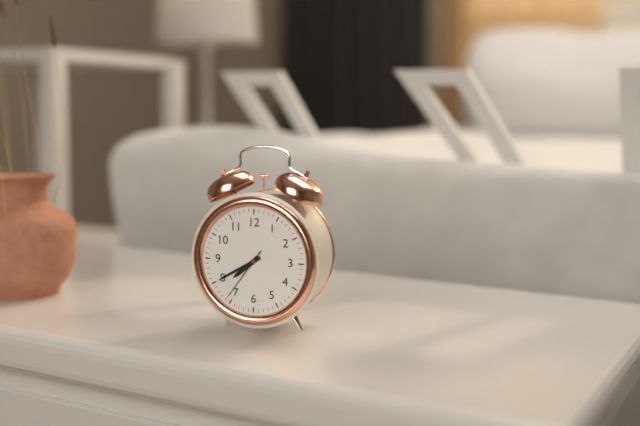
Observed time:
h=7 m=40 s=36
